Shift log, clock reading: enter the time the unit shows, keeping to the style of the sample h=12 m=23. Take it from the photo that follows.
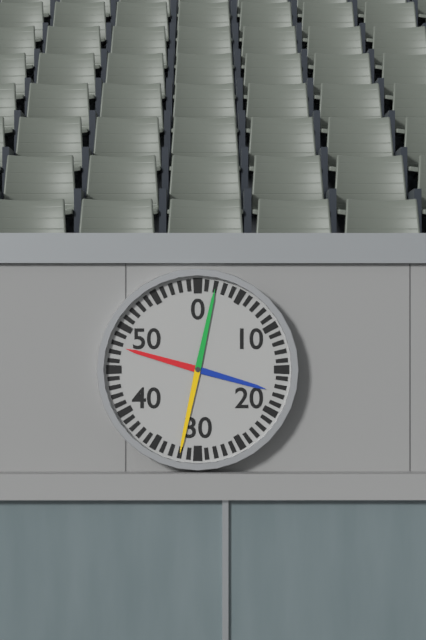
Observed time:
h=9 m=32
